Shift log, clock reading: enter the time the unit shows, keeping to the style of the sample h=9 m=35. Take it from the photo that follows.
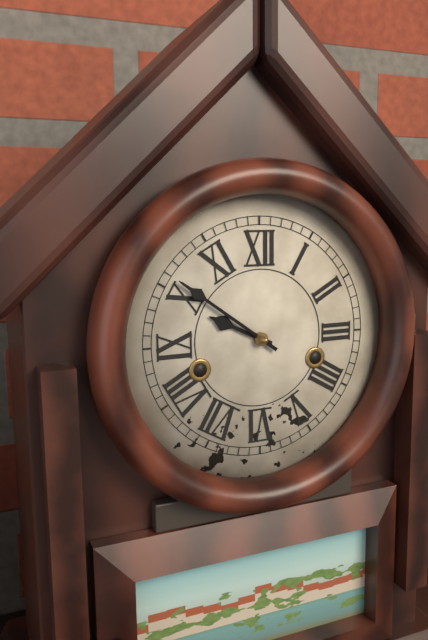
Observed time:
h=9 m=51
